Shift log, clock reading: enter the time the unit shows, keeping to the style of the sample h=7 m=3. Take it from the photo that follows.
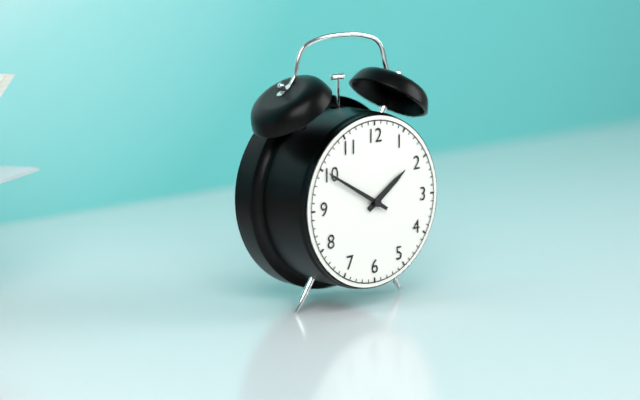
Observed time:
h=1 m=50
